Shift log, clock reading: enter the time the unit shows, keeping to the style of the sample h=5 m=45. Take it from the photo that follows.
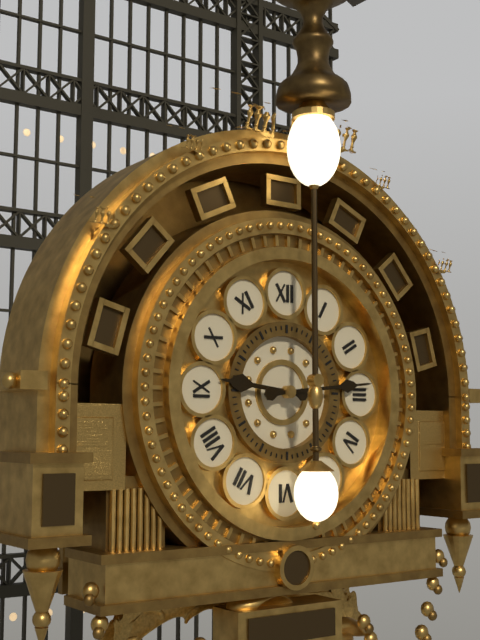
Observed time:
h=9 m=14
